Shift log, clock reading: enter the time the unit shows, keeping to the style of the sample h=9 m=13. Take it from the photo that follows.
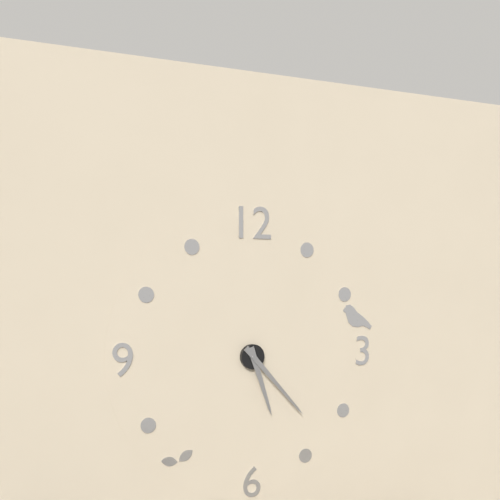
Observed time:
h=5 m=23
